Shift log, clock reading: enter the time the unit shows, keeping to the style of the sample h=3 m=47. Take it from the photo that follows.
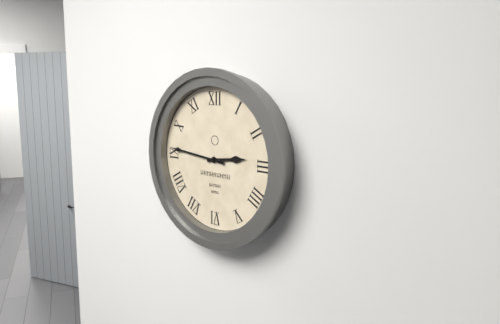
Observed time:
h=2 m=46
